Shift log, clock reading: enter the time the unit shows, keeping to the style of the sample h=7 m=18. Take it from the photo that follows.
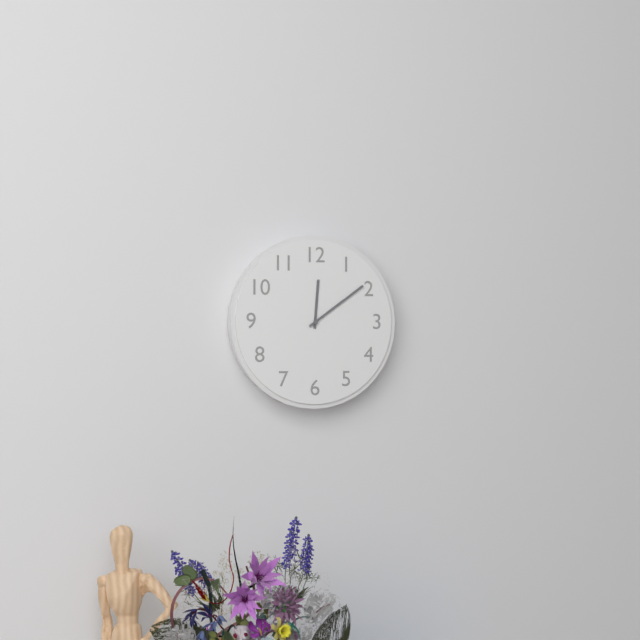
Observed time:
h=12 m=9
